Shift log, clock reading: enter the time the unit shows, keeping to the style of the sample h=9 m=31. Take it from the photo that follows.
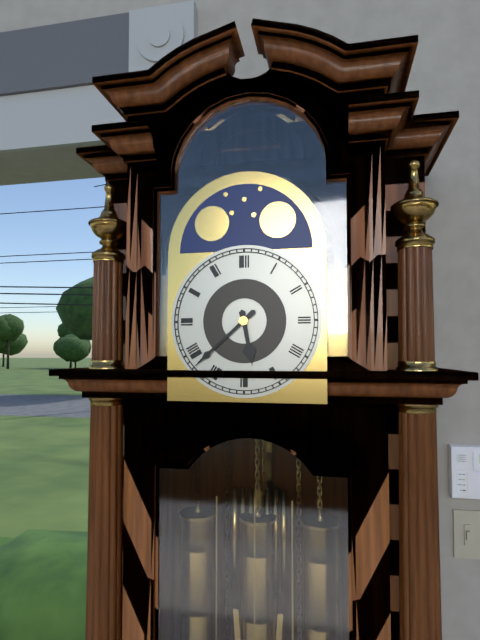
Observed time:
h=5 m=38
